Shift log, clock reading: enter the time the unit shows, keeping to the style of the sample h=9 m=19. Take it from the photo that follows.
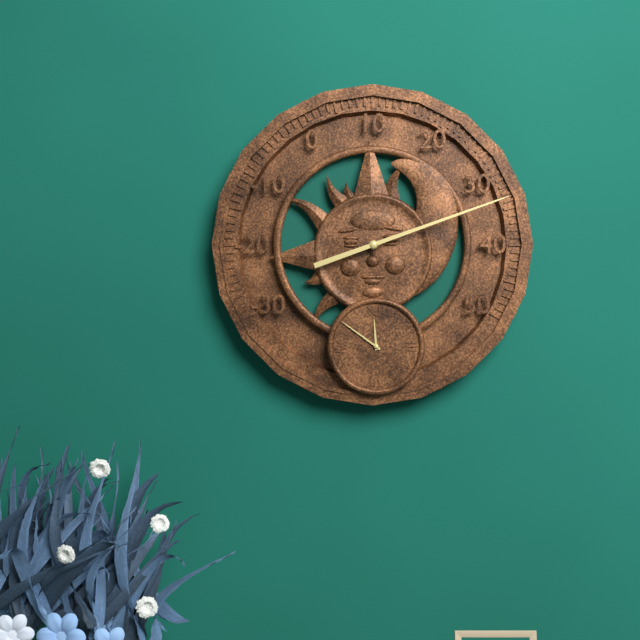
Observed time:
h=11 m=51
